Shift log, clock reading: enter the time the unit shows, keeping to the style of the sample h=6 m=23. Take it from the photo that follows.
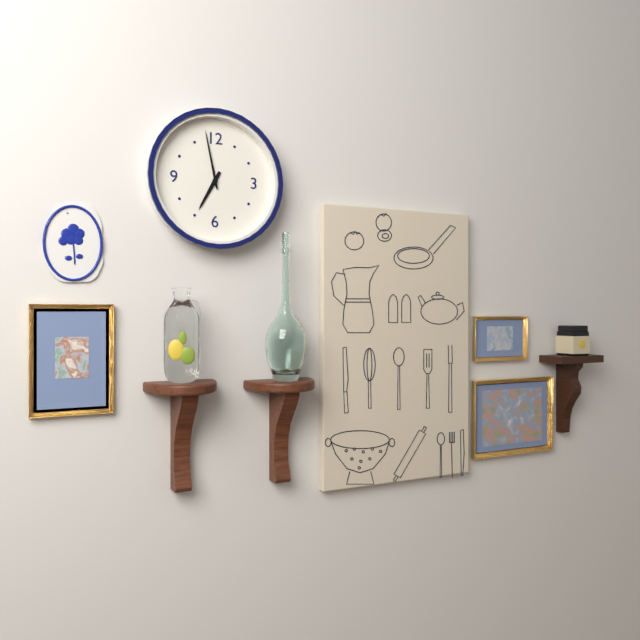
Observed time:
h=6 m=58
